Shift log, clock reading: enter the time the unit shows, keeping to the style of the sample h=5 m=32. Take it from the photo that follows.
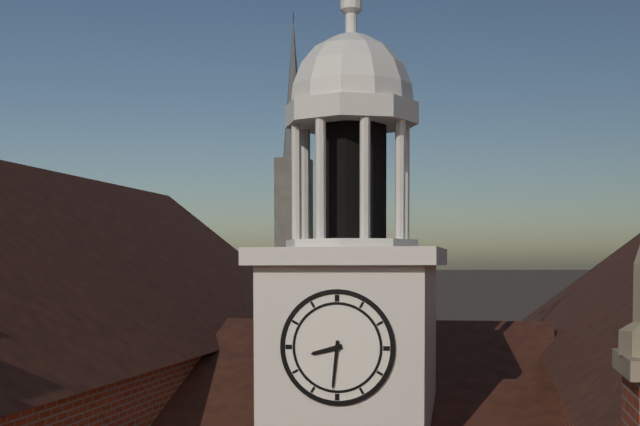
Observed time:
h=8 m=31
